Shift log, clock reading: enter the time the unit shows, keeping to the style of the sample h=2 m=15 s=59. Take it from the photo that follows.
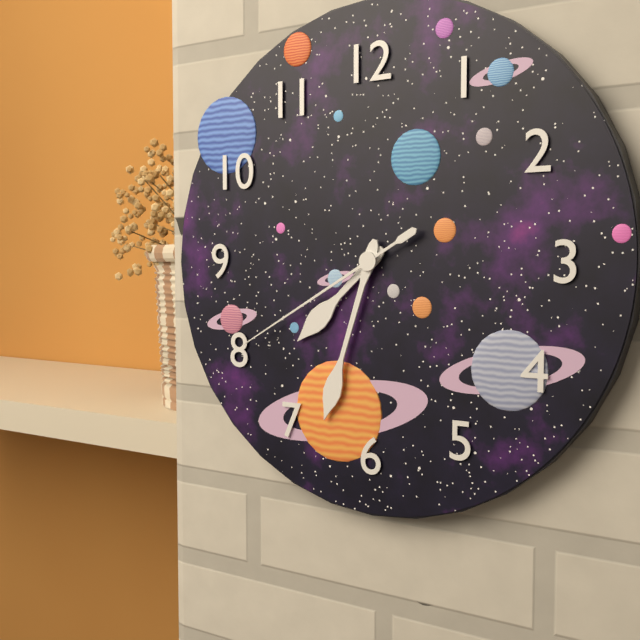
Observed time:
h=7 m=33 s=40
